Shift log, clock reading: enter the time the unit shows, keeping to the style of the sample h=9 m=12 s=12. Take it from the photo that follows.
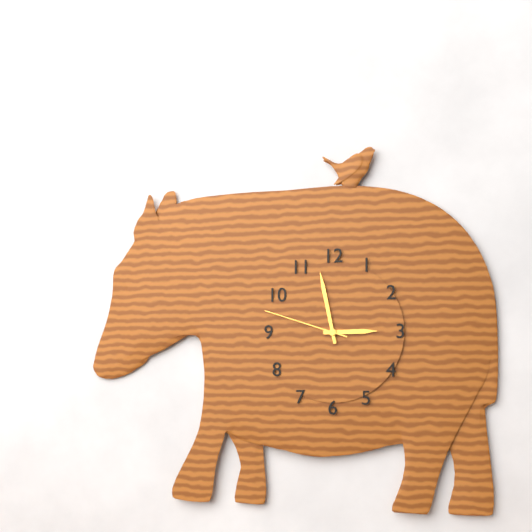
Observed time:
h=2 m=58 s=48
